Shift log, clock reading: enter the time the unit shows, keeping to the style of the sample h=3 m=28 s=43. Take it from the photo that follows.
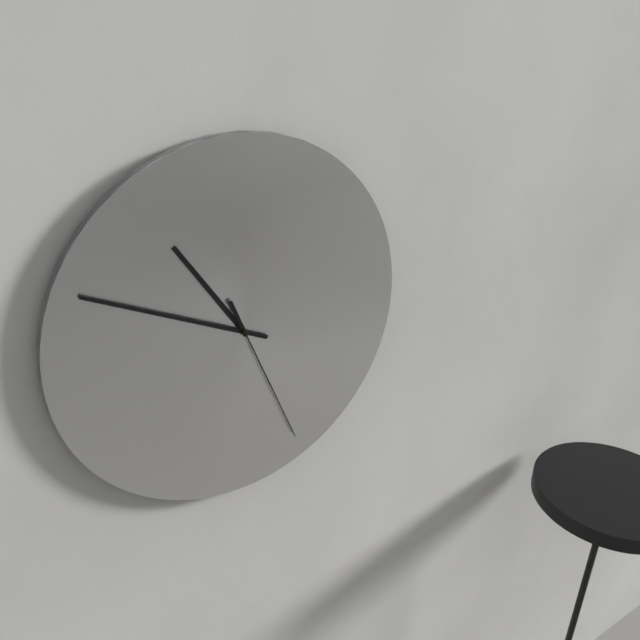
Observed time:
h=10 m=49 s=26
